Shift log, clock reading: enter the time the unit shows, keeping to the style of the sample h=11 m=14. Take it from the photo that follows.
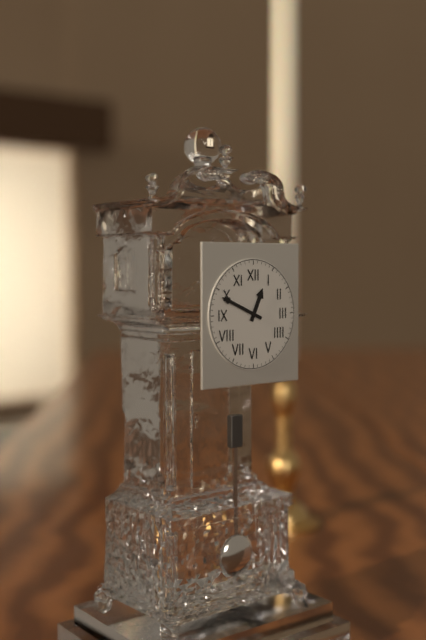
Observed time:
h=12 m=49
